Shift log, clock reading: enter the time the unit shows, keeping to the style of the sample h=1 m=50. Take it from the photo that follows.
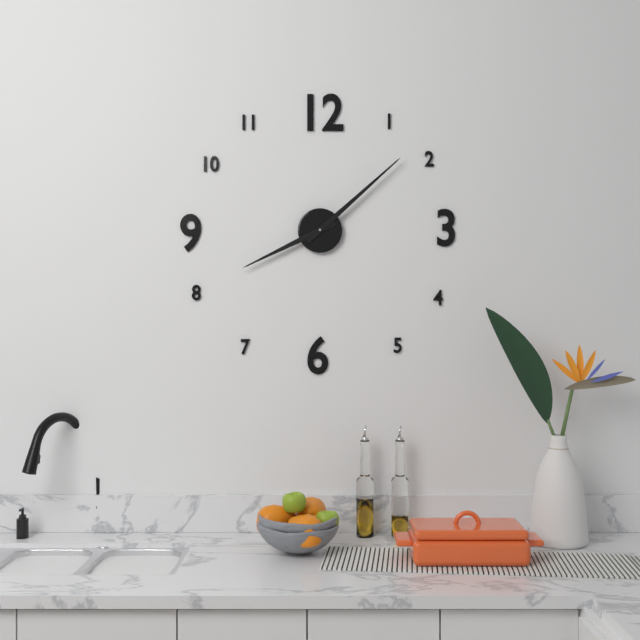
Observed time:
h=8 m=8
